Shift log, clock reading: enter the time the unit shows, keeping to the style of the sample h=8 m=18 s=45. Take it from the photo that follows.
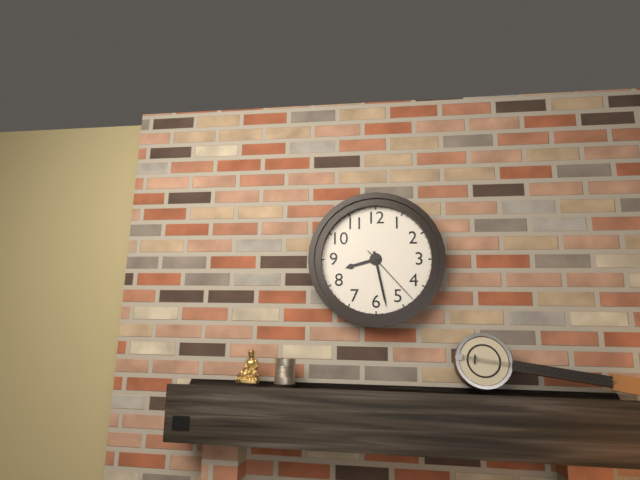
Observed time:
h=8 m=28 s=23
